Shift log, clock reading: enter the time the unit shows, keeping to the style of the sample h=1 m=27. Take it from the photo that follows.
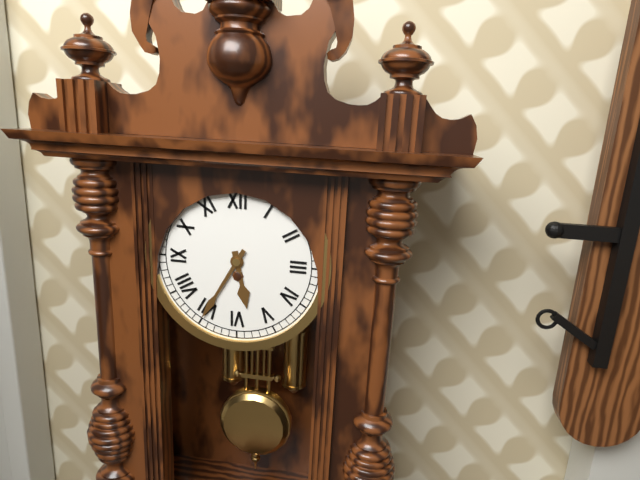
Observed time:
h=5 m=35
